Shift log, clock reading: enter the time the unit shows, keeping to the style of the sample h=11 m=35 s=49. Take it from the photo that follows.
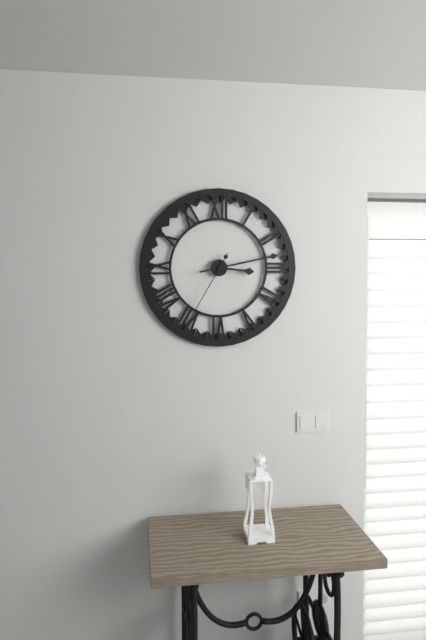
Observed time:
h=3 m=13 s=35
